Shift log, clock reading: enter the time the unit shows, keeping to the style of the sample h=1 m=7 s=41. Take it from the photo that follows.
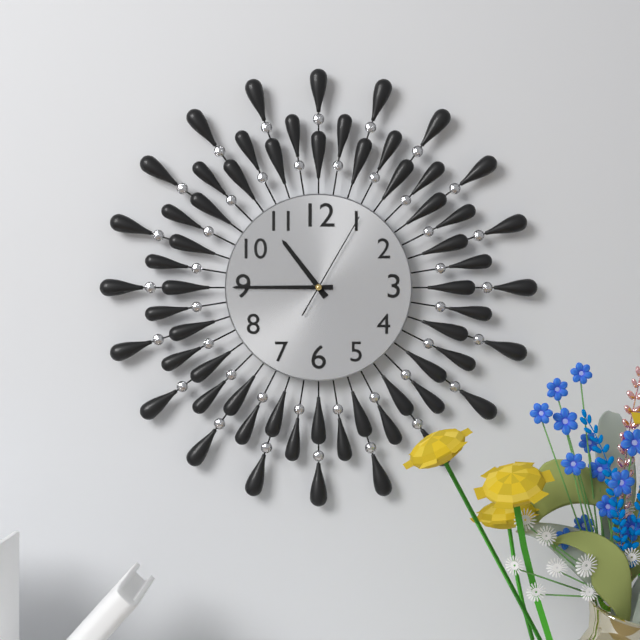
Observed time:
h=10 m=45 s=5
